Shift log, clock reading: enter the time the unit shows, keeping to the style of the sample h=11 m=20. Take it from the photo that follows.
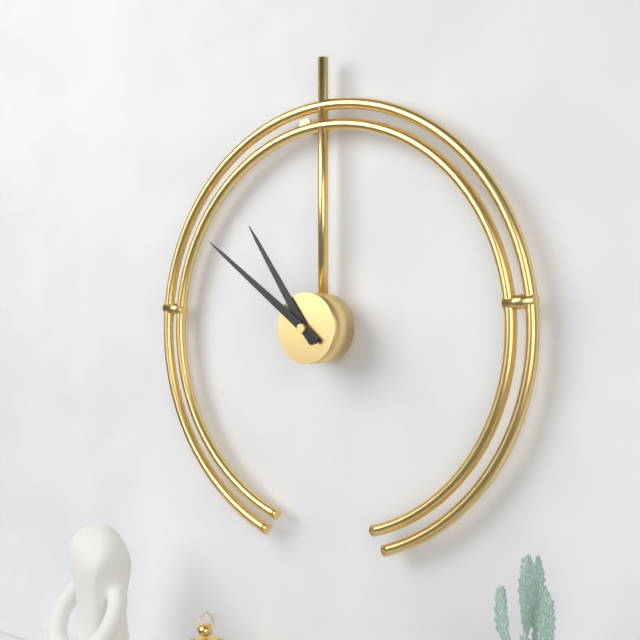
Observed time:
h=10 m=51
